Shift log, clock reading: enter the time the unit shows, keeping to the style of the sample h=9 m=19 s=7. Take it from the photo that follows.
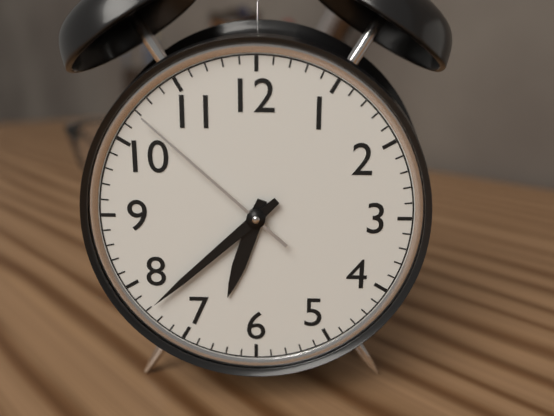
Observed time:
h=6 m=38 s=52
